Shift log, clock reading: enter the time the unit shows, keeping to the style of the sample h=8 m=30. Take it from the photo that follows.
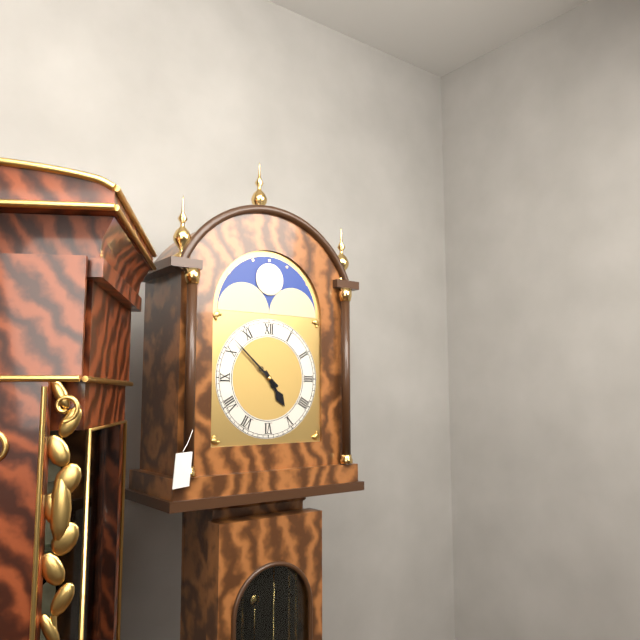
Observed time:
h=4 m=52
